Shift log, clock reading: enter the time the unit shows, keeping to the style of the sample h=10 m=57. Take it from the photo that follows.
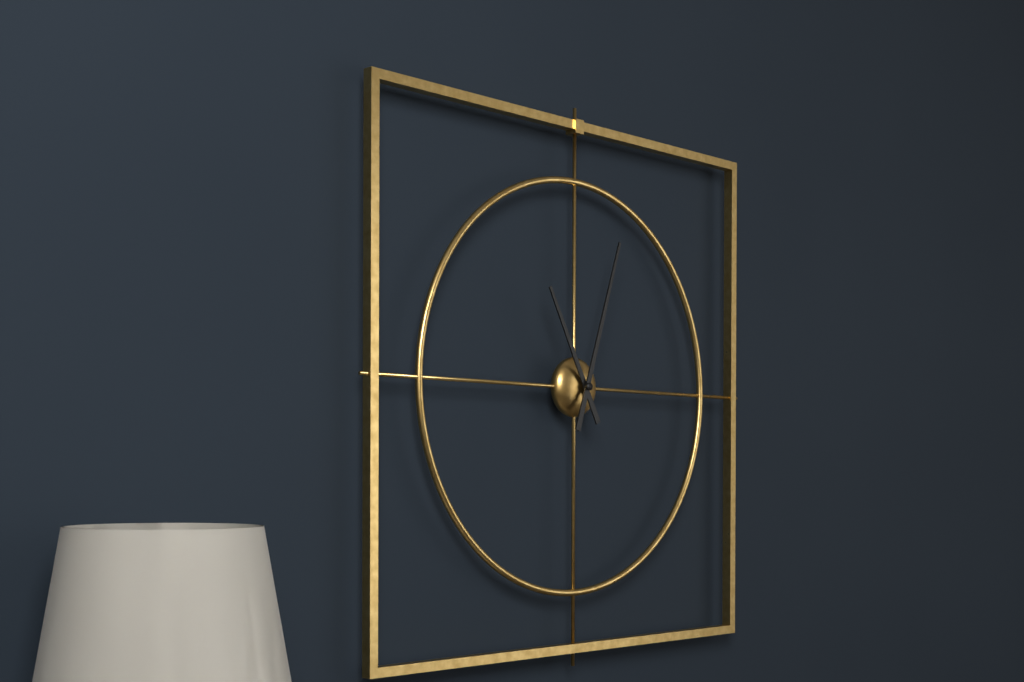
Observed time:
h=11 m=3
